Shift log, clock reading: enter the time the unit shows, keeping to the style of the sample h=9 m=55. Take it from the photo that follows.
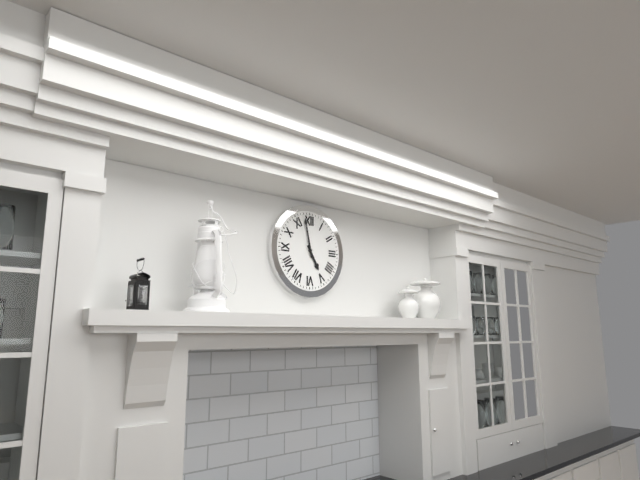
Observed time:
h=4 m=58
